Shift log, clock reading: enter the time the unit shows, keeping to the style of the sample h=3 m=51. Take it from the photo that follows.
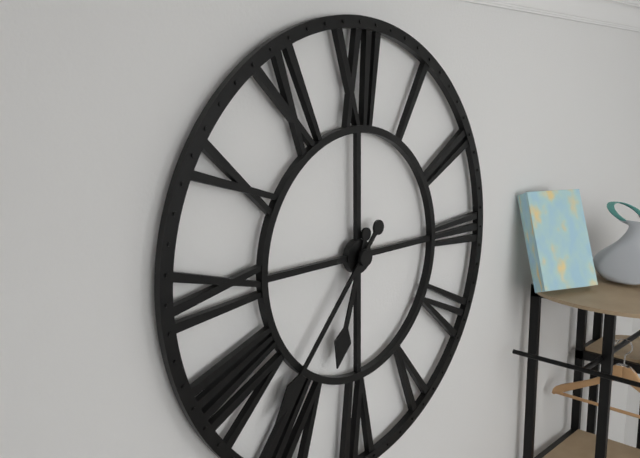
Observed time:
h=6 m=37
